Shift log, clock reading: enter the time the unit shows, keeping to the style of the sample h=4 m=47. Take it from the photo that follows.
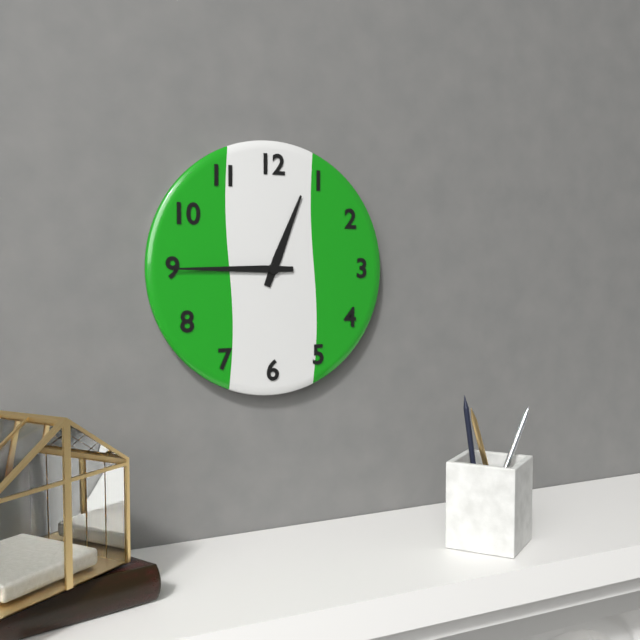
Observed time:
h=12 m=45
